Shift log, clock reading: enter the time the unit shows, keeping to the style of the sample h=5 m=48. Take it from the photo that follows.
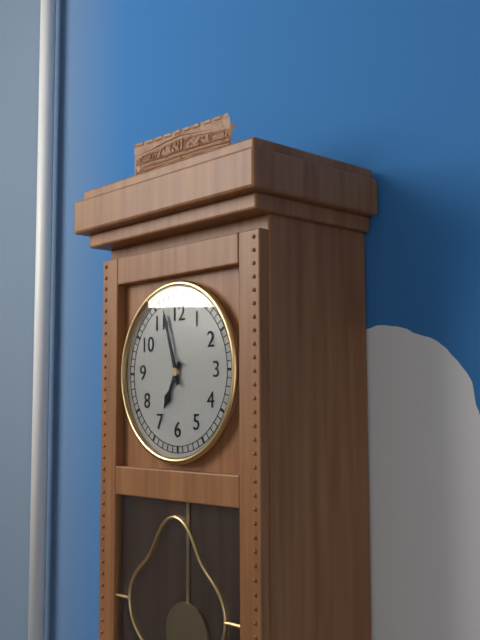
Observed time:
h=6 m=57
